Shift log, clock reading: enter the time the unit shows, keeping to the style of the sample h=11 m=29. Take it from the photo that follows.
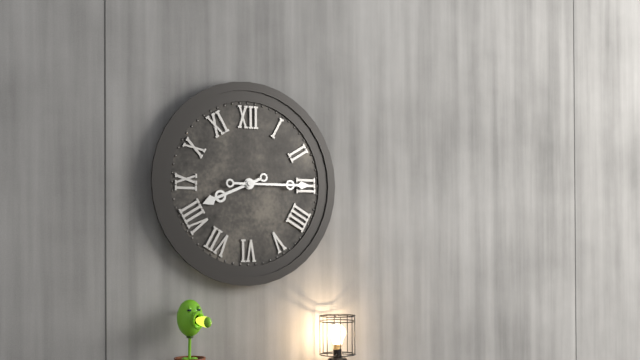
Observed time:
h=8 m=15
